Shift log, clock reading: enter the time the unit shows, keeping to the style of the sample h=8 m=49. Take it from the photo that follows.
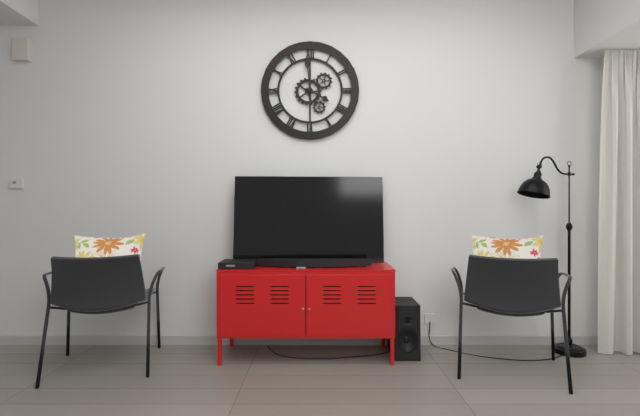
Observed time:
h=3 m=59
